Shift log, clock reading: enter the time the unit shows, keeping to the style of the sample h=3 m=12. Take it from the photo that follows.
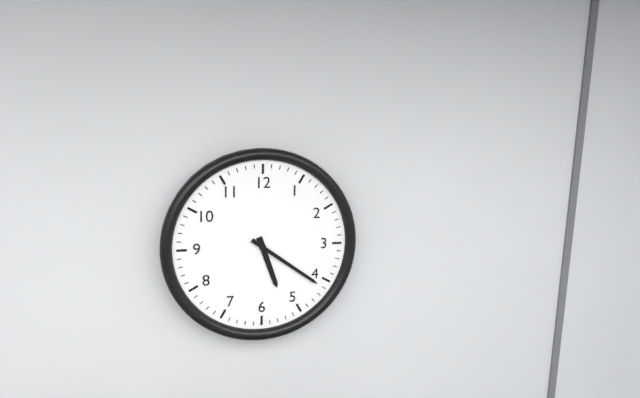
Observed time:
h=5 m=21
